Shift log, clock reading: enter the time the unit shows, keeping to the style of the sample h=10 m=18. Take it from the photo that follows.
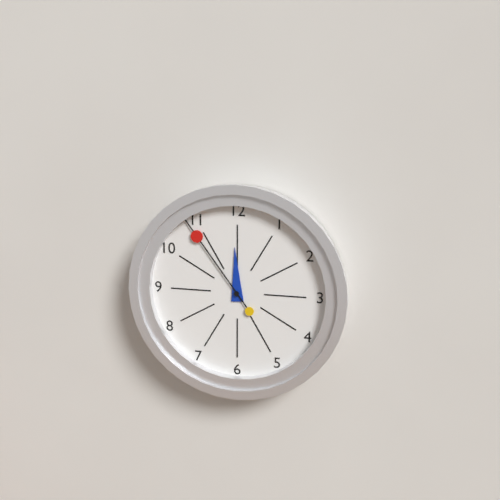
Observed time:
h=11 m=54
